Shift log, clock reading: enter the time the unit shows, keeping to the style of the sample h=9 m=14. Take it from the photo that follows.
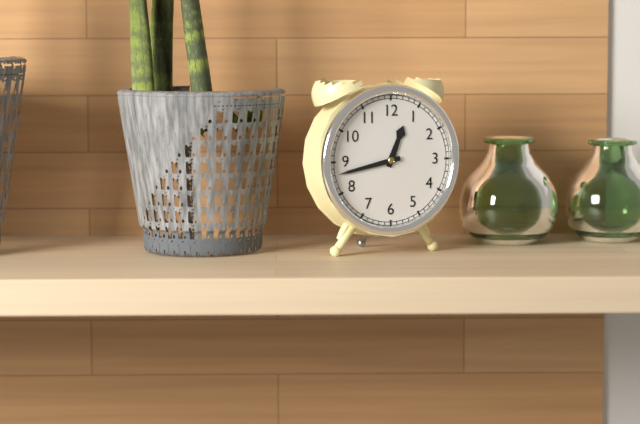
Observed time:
h=12 m=43
